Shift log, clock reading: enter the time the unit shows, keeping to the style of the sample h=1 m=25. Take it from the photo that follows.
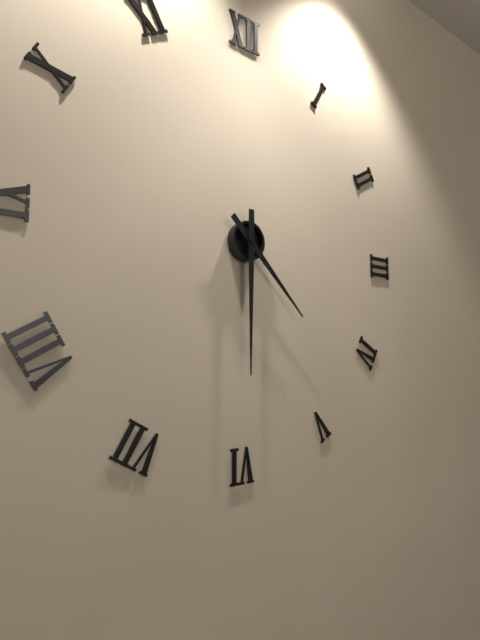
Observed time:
h=4 m=30
